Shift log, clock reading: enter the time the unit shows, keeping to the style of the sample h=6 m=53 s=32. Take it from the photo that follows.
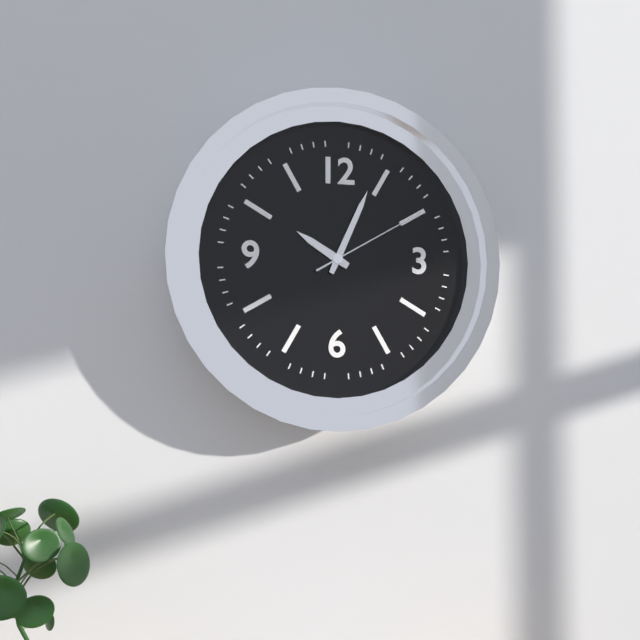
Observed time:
h=10 m=4 s=10
